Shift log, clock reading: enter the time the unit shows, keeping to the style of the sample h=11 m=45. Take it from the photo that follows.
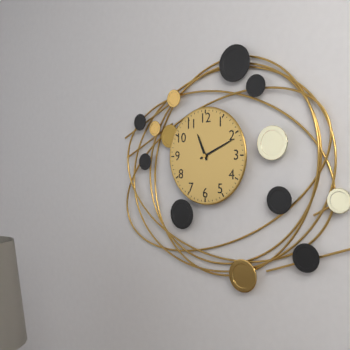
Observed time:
h=11 m=11
